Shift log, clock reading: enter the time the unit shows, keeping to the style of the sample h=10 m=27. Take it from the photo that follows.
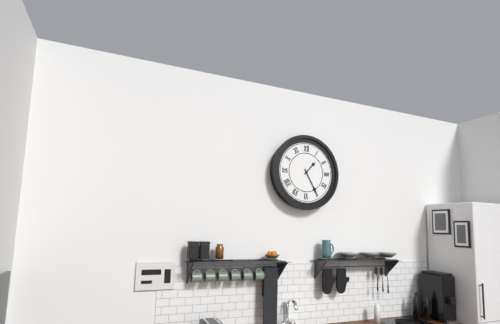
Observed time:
h=1 m=25
